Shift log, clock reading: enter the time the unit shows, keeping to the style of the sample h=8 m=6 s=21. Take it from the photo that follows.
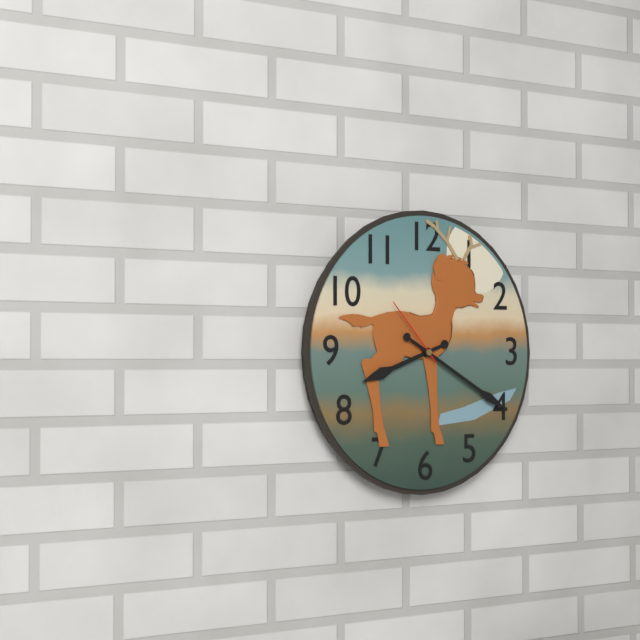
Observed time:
h=8 m=20 s=53
